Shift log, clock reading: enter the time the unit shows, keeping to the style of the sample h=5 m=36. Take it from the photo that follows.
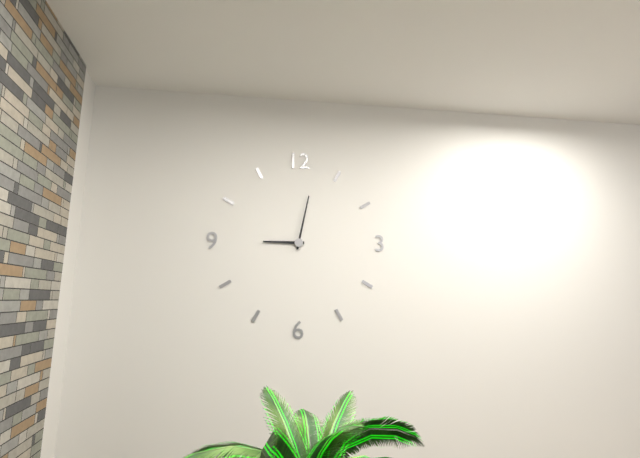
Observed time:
h=9 m=2
